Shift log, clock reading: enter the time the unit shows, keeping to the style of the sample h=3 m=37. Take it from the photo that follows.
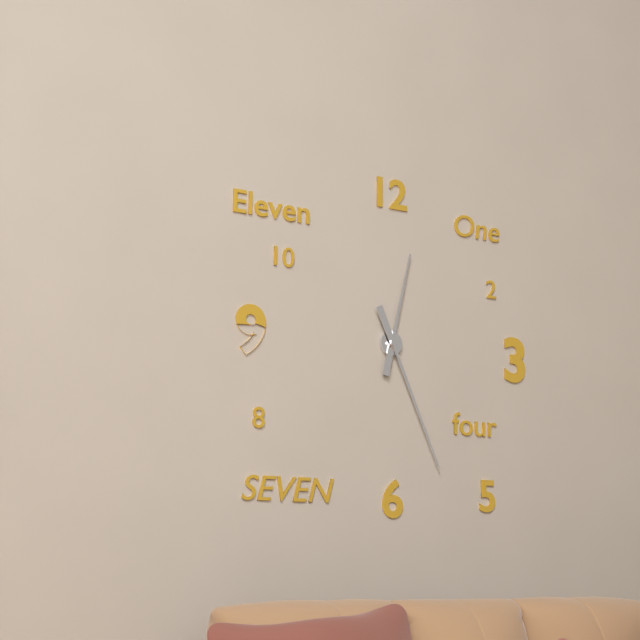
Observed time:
h=12 m=26
